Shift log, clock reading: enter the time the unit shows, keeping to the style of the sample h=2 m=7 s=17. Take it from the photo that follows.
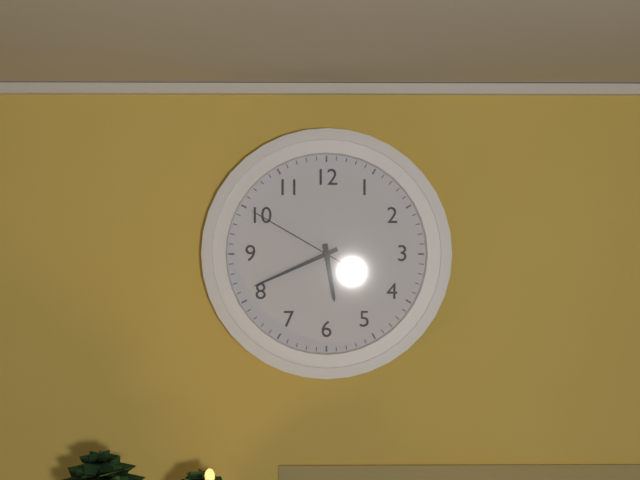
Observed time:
h=5 m=41 s=50
